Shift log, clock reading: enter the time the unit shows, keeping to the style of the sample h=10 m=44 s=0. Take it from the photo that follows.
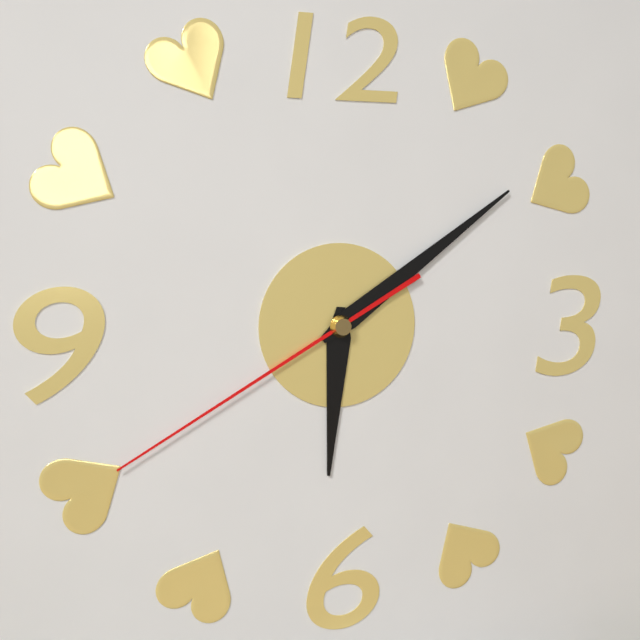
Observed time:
h=6 m=9 s=40
